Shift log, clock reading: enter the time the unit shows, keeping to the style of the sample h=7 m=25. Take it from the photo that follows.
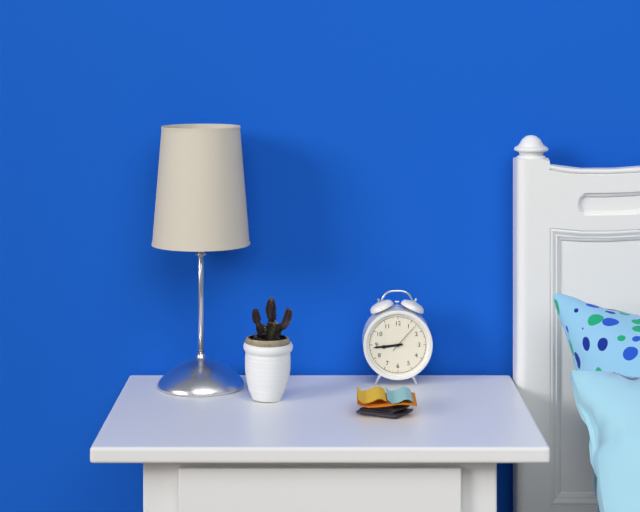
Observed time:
h=8 m=44
